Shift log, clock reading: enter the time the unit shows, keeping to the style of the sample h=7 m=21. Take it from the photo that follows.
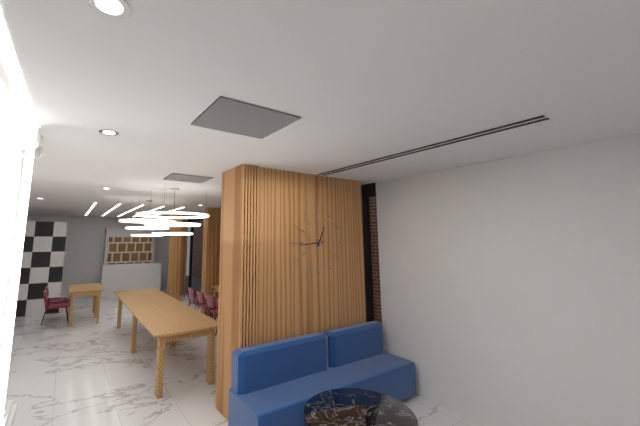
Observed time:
h=12 m=44
